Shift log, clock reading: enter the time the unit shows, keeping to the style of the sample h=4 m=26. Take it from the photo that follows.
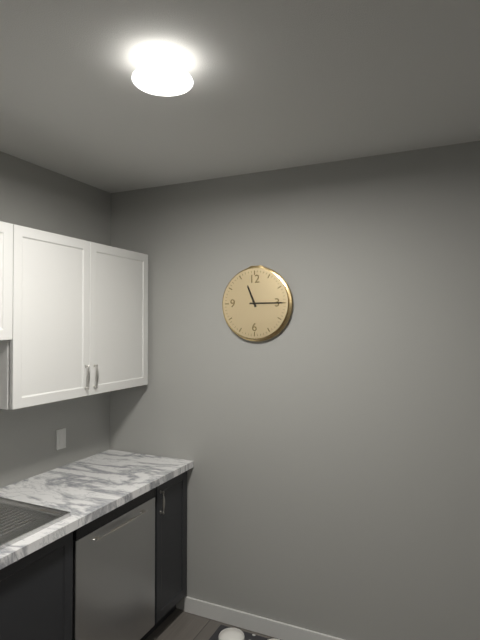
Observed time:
h=11 m=15
